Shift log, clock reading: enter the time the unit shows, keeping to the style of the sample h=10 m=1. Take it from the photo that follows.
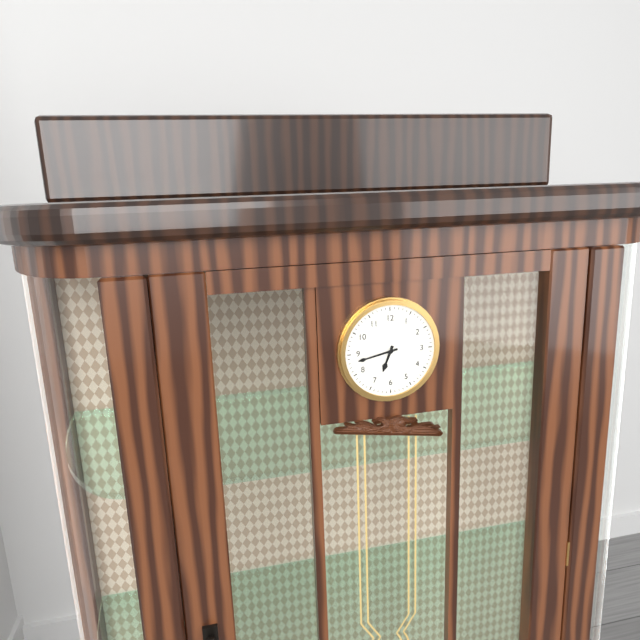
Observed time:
h=6 m=43
